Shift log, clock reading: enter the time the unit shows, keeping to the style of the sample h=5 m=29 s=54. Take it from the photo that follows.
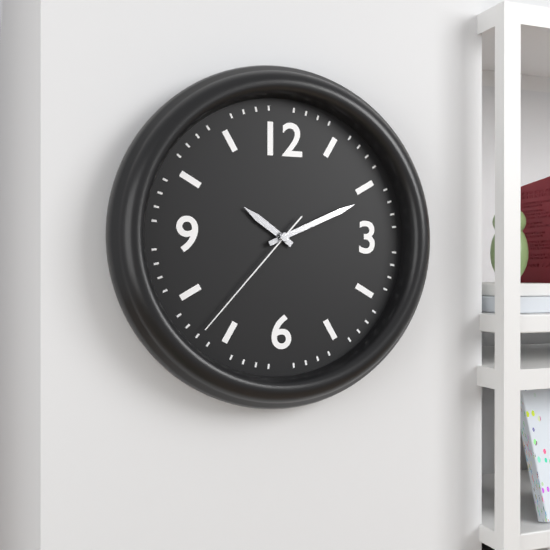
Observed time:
h=10 m=11 s=37
